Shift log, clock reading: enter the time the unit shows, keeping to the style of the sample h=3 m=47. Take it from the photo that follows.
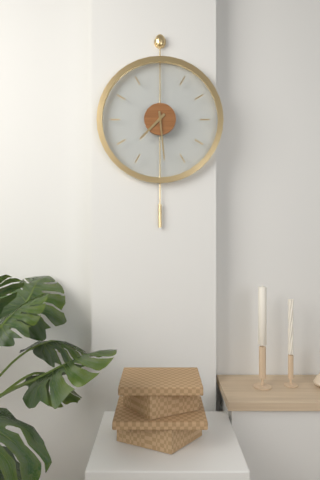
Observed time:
h=7 m=29
